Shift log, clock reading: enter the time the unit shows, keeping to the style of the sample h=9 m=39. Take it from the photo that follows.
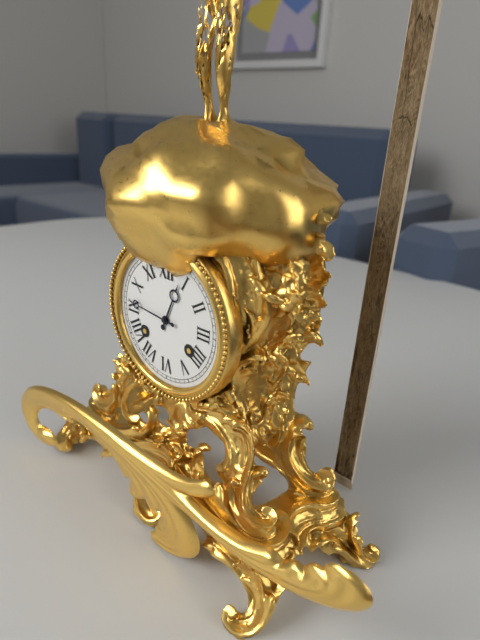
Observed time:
h=12 m=46
